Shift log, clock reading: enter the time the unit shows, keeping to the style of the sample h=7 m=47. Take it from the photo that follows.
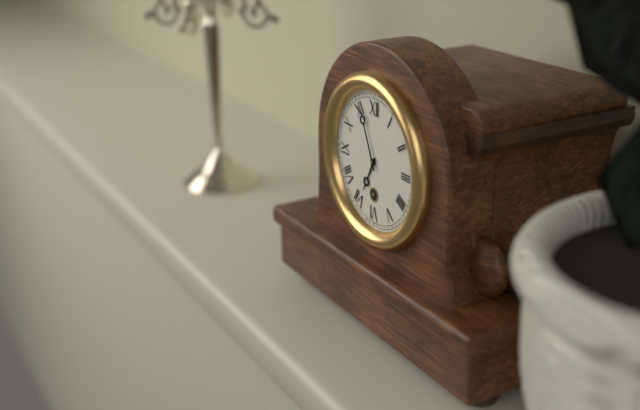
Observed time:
h=6 m=56
